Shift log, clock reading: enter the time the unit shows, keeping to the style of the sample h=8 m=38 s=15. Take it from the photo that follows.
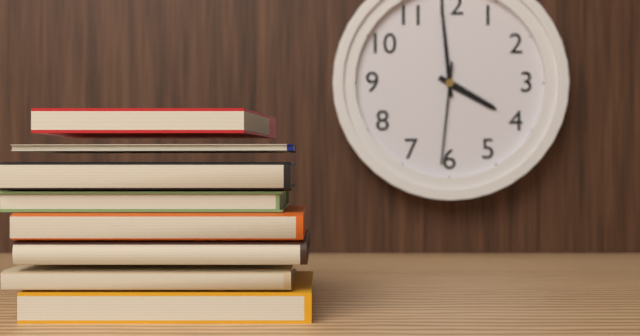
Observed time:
h=3 m=59 s=31
